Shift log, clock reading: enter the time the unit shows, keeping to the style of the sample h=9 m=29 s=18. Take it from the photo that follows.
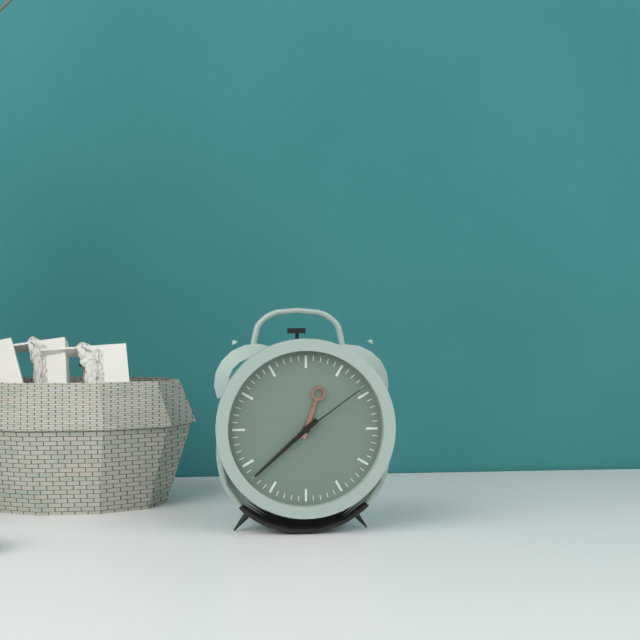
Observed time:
h=12 m=38 s=9
